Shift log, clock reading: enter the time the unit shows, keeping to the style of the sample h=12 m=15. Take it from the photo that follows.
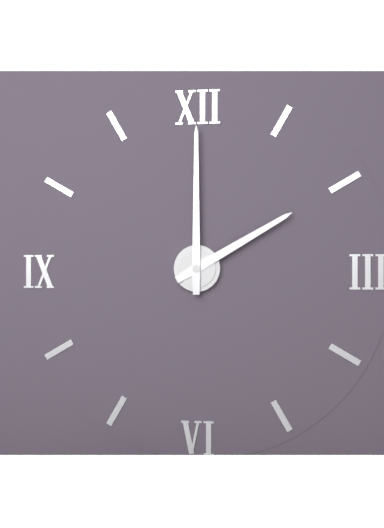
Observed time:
h=2 m=0
